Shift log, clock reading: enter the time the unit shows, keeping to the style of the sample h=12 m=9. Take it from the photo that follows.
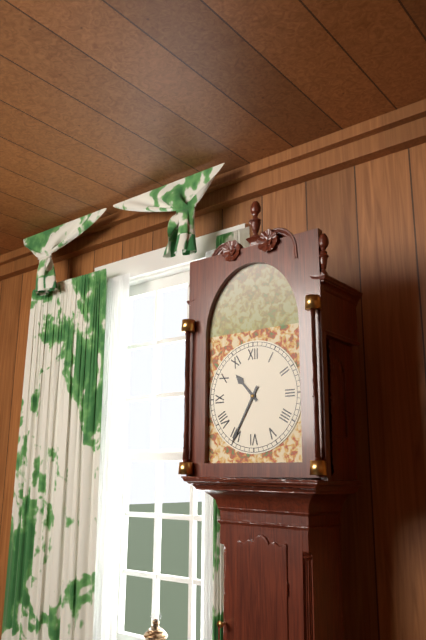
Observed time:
h=10 m=35
